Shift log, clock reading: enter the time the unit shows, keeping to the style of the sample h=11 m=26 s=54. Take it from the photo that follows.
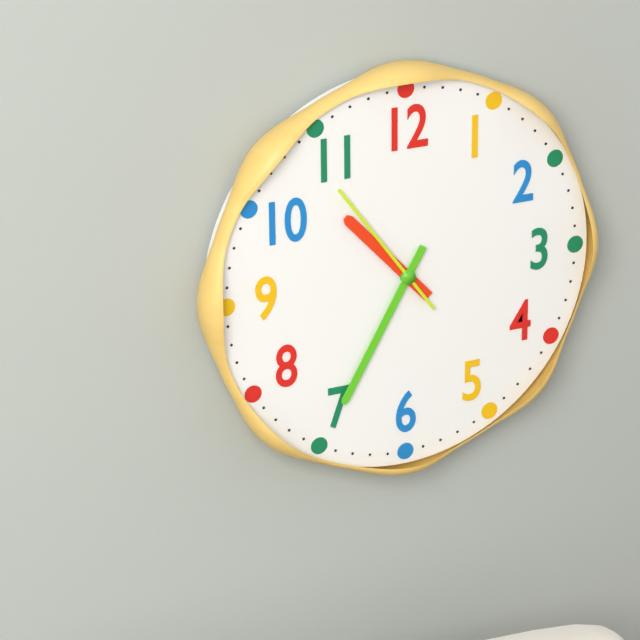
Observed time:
h=10 m=35 s=54
